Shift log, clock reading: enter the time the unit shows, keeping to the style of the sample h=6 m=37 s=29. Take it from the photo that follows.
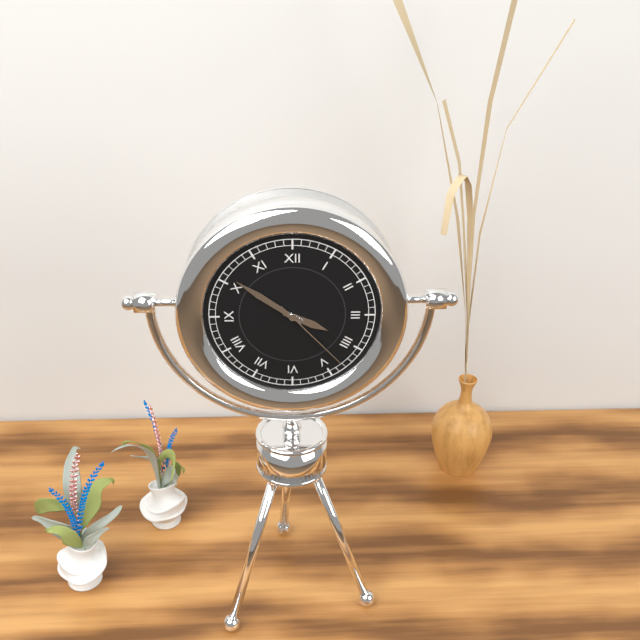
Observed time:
h=3 m=51 s=23
